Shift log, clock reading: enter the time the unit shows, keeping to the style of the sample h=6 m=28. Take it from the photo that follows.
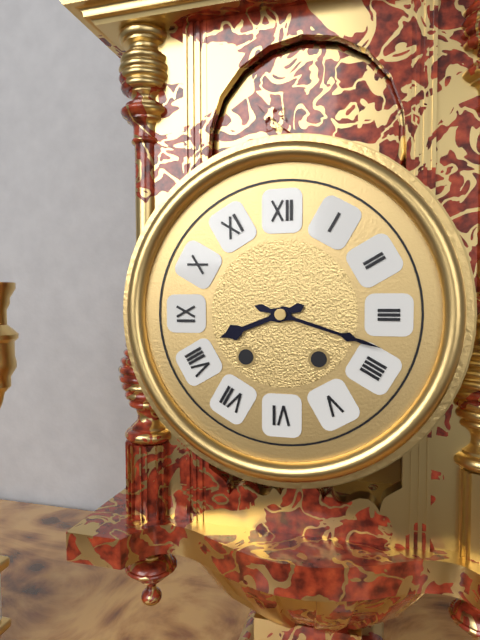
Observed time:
h=8 m=18
